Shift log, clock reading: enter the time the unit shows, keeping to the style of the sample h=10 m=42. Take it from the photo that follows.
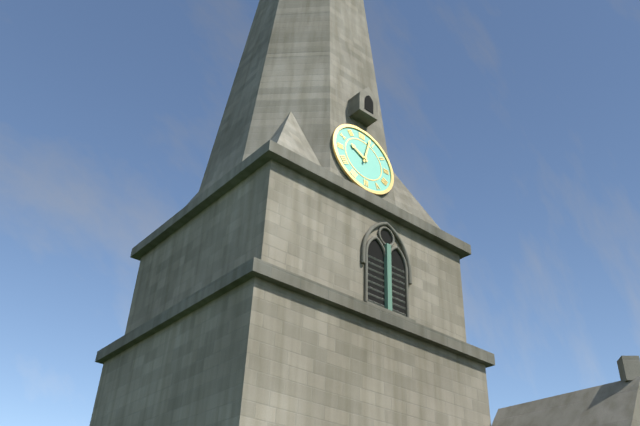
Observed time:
h=10 m=3
